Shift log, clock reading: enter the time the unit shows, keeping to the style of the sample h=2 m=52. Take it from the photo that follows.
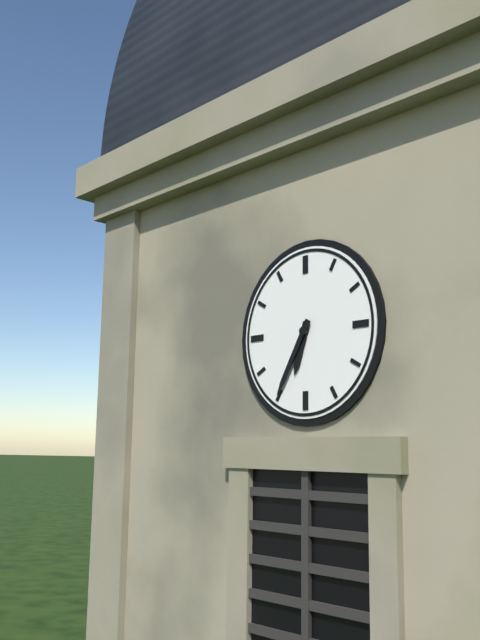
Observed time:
h=6 m=35
